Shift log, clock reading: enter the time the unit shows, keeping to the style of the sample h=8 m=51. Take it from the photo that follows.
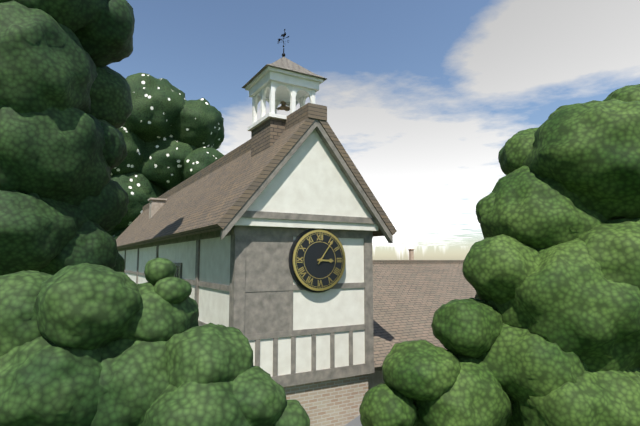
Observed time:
h=3 m=6
